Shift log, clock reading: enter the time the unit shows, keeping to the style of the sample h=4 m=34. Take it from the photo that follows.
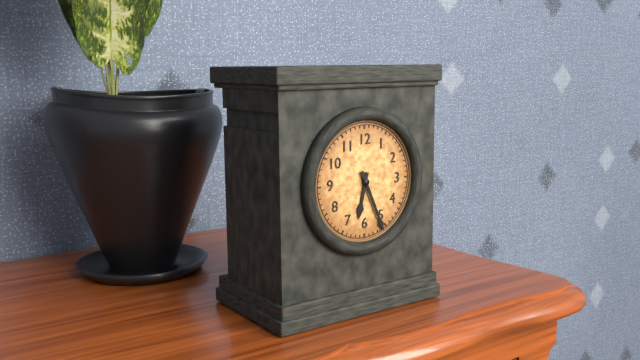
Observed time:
h=6 m=26
